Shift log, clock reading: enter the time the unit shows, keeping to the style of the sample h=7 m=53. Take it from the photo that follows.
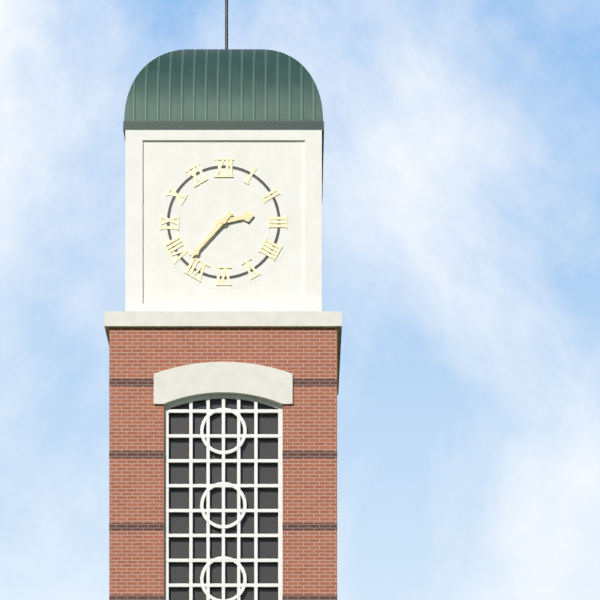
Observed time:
h=2 m=37
